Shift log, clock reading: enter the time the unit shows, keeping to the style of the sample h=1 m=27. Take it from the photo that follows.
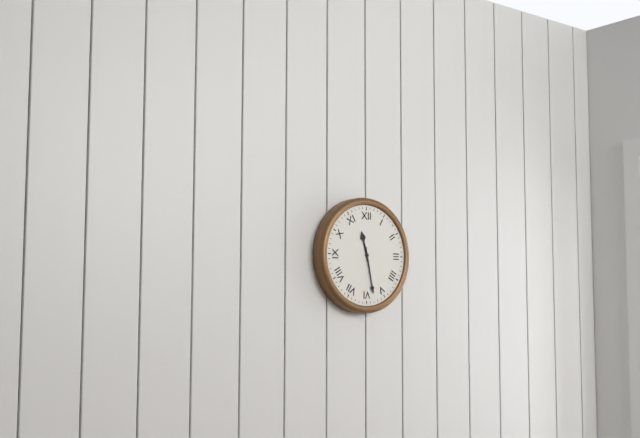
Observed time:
h=11 m=28
